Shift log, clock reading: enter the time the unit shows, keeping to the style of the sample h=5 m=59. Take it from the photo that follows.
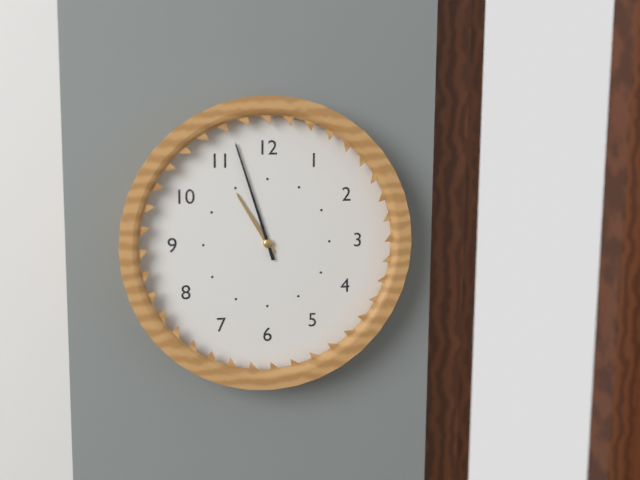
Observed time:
h=10 m=57
